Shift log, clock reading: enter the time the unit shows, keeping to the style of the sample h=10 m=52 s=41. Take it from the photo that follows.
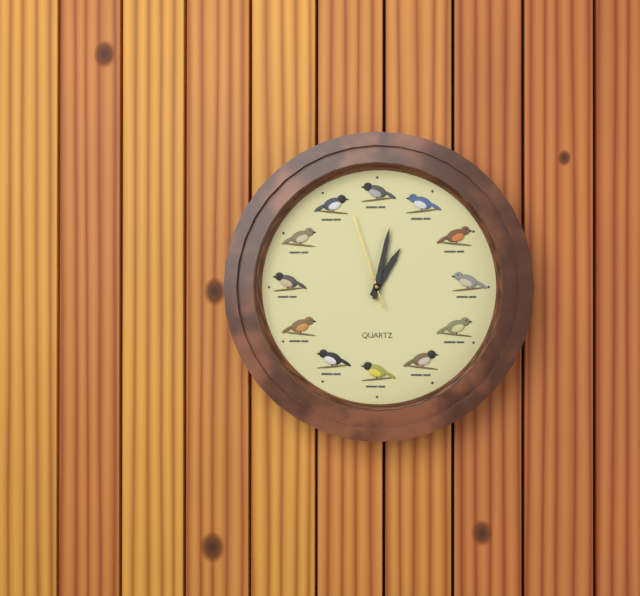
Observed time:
h=1 m=2 s=57
